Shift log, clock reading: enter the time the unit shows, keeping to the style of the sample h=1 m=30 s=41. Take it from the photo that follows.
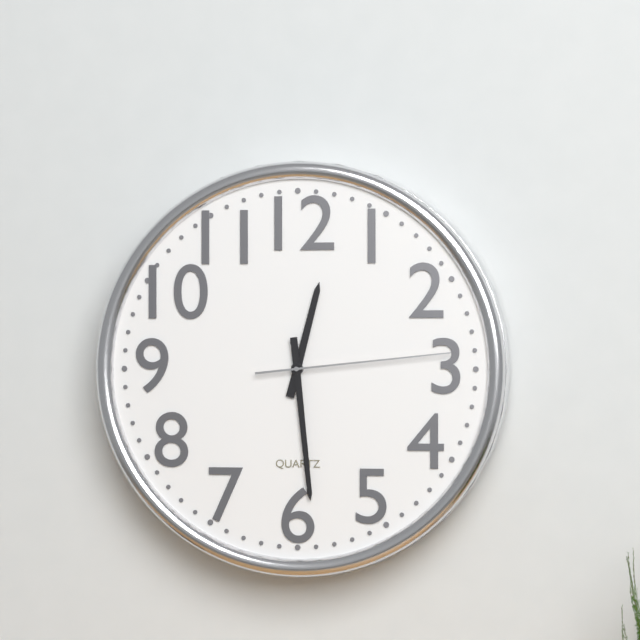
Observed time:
h=12 m=29 s=14
